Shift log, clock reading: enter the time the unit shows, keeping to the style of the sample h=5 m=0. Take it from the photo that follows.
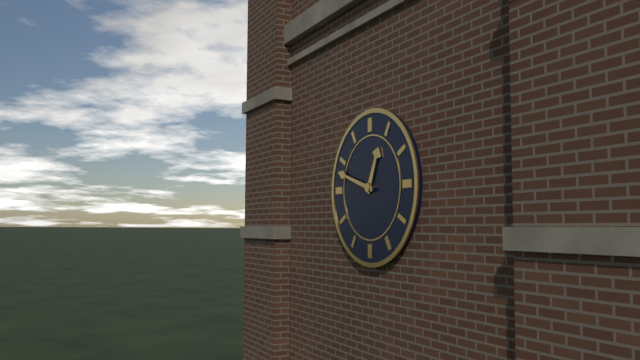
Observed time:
h=12 m=48
